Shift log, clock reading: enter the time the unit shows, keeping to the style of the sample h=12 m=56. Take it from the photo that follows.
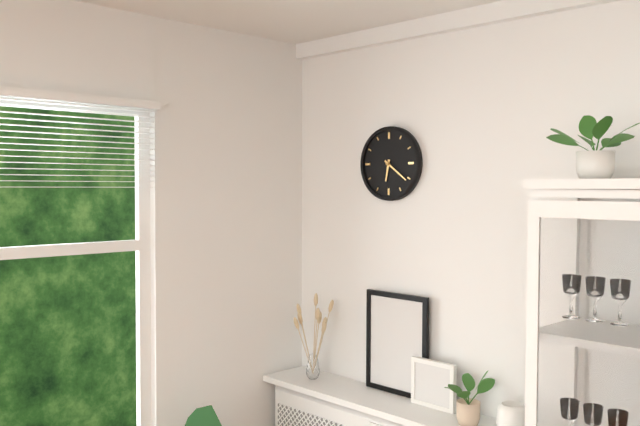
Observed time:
h=6 m=21
